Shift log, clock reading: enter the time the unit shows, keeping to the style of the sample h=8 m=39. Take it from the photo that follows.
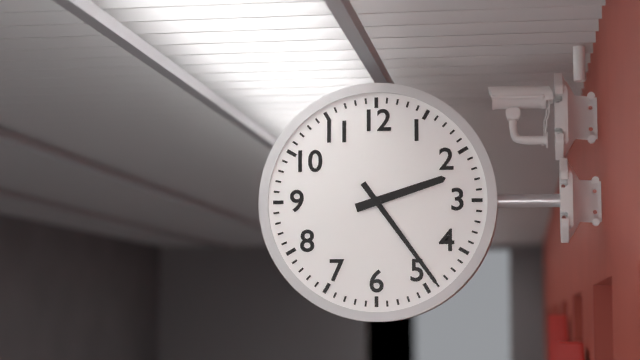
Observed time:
h=2 m=24
